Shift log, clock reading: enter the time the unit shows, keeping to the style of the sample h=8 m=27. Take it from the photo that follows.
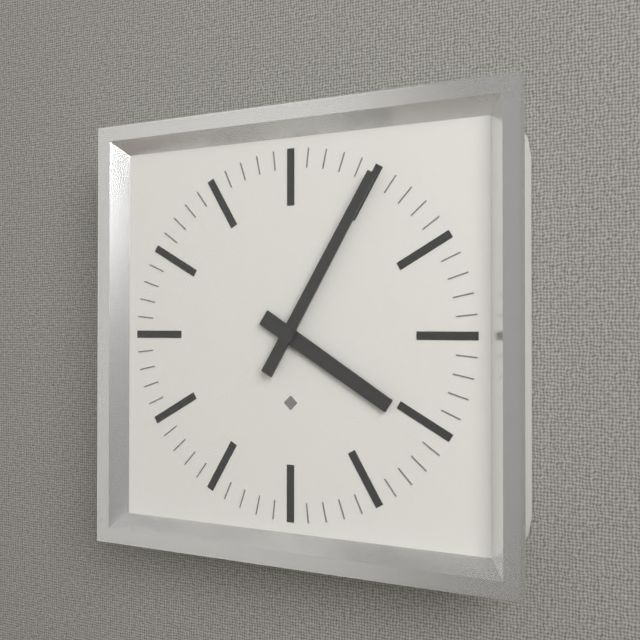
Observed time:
h=4 m=5
